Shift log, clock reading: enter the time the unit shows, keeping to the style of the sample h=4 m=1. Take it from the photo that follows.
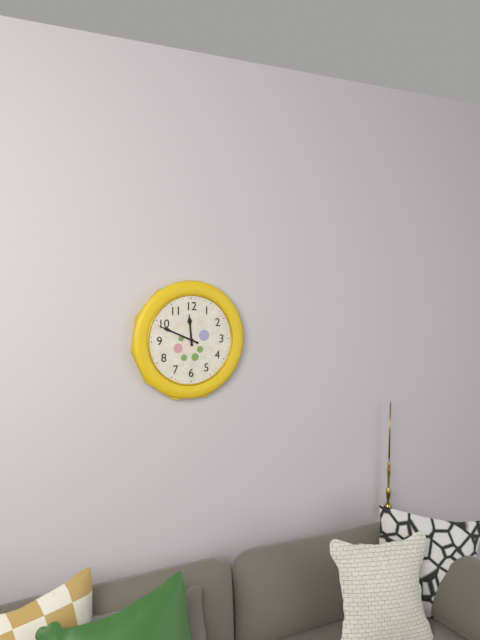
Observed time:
h=11 m=49
